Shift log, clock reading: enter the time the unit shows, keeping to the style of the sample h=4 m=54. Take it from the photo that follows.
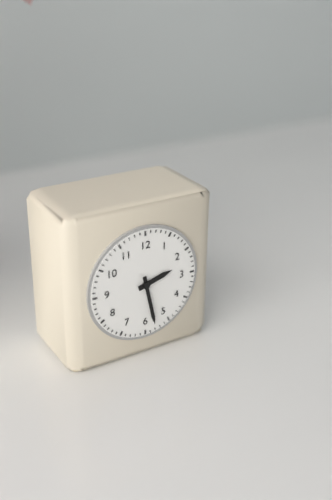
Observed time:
h=2 m=28
